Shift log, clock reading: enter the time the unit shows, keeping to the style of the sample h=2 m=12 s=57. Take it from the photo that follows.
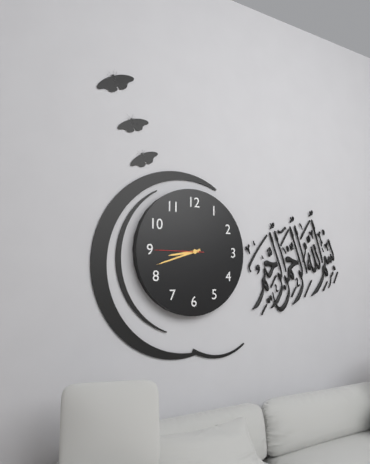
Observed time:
h=8 m=42 s=45
